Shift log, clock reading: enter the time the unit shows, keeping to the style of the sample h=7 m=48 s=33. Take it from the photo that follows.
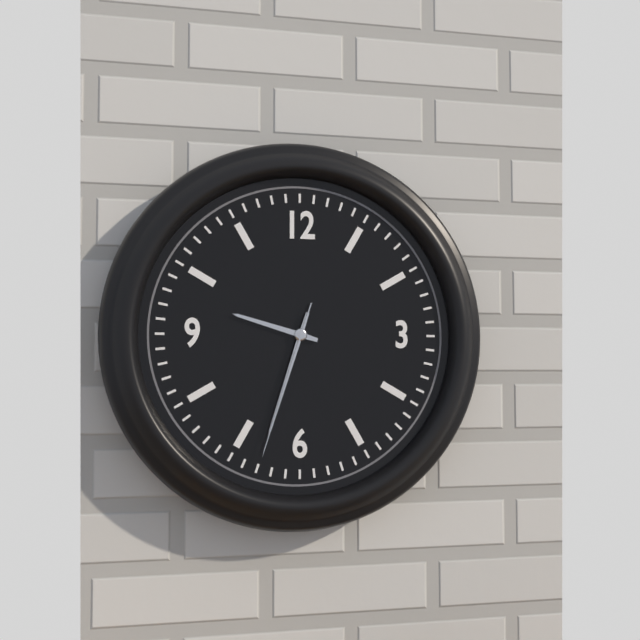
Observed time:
h=9 m=33 s=33
